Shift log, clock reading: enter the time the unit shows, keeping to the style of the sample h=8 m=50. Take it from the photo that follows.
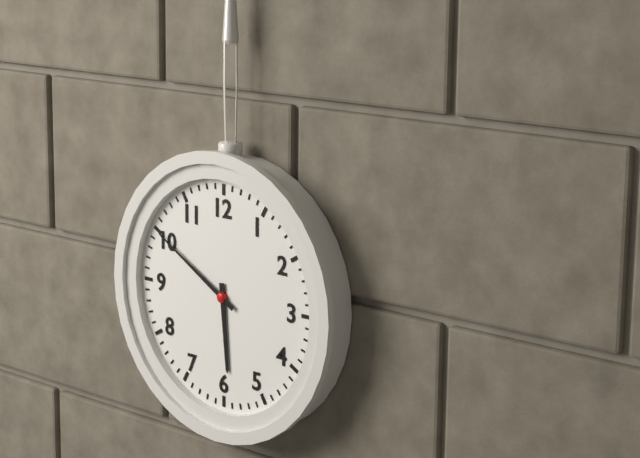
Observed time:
h=5 m=50
